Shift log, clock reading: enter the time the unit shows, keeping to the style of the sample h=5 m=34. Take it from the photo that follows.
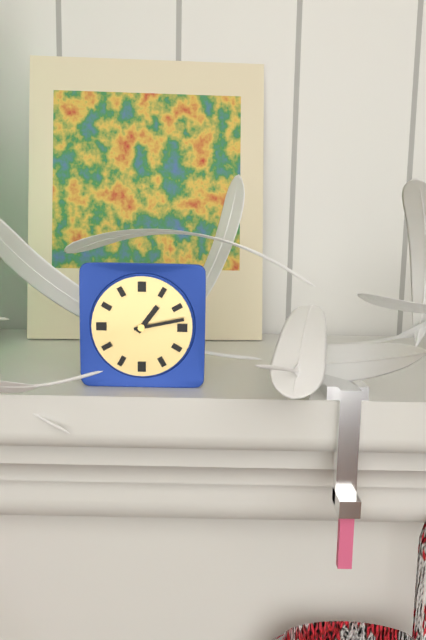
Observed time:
h=1 m=13
